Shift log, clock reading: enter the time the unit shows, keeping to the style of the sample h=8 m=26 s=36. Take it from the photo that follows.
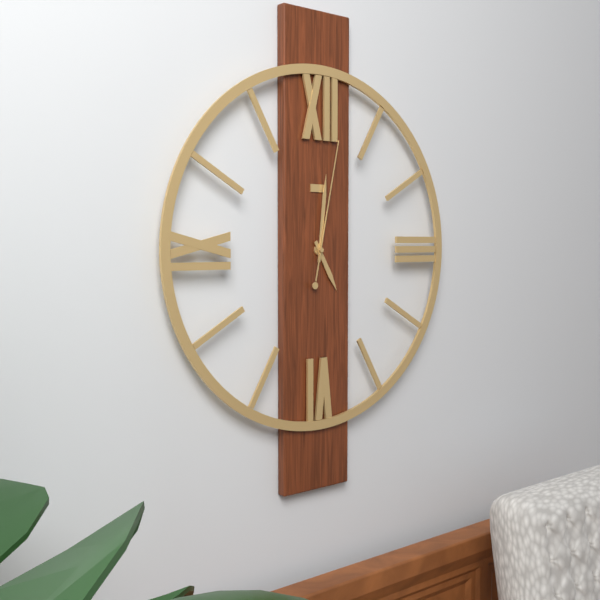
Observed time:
h=5 m=1 s=2
